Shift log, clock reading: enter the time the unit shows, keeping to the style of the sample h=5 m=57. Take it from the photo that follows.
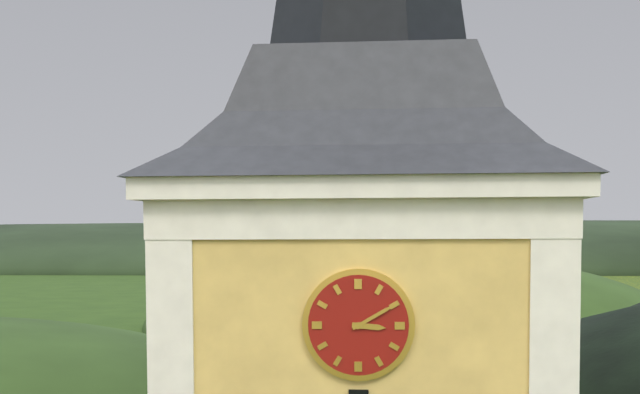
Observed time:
h=3 m=10
